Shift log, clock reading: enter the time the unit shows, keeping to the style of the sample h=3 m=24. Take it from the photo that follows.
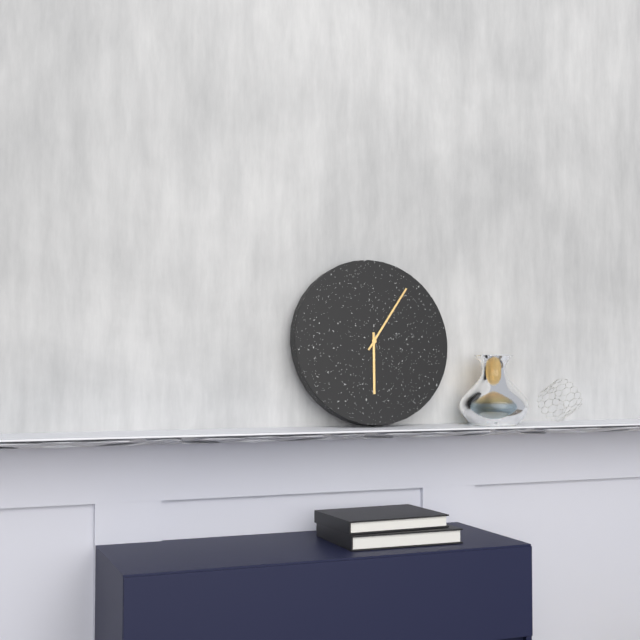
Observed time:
h=6 m=6
